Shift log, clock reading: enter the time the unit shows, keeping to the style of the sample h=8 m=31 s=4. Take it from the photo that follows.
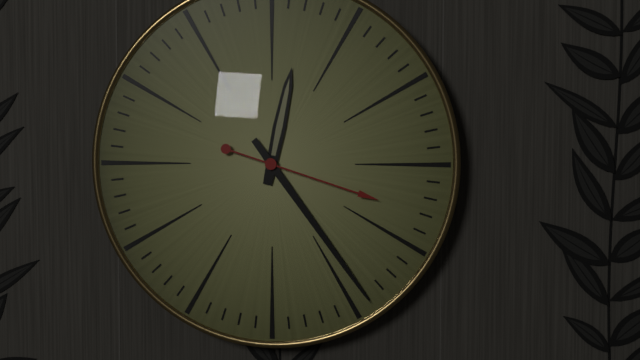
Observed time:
h=12 m=24 s=18
